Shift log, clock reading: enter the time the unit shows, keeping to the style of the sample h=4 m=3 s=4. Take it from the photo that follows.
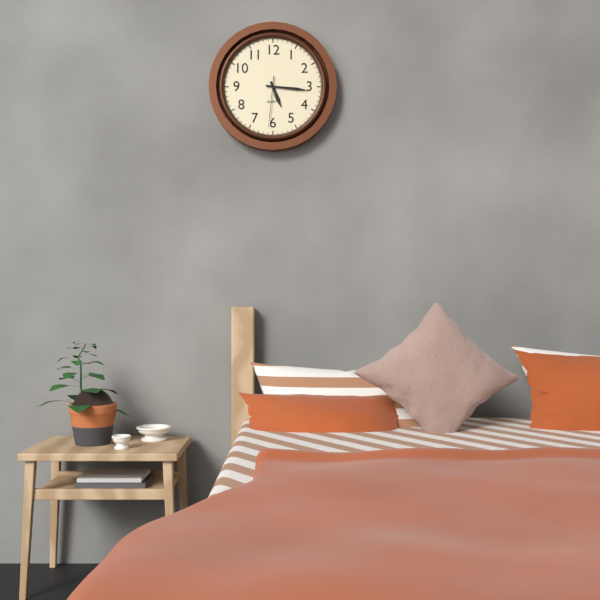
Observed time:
h=5 m=16 s=31
